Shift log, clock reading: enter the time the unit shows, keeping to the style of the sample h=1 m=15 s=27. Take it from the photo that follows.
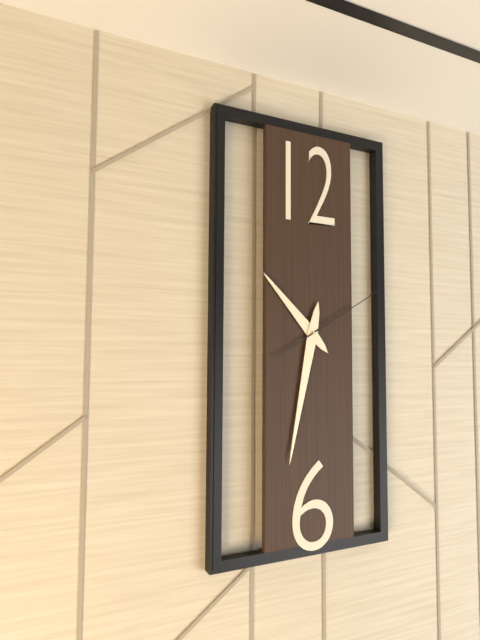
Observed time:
h=10 m=32 s=10
